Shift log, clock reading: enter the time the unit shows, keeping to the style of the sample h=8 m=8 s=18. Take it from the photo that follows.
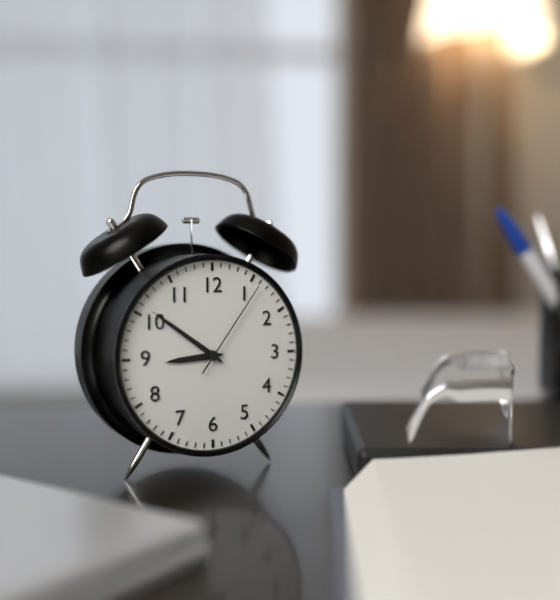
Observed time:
h=8 m=51 s=6
